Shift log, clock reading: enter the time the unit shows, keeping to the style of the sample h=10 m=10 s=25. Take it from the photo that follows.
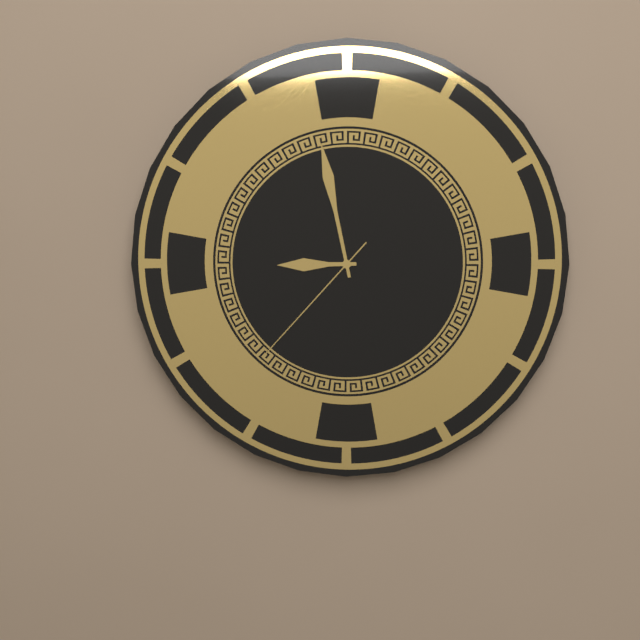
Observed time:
h=8 m=58 s=37
